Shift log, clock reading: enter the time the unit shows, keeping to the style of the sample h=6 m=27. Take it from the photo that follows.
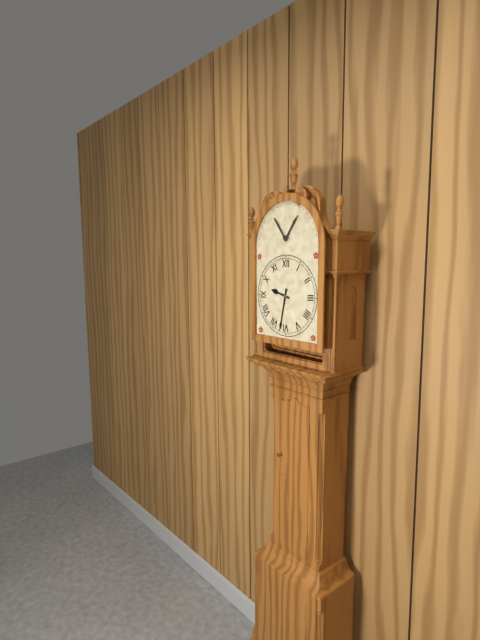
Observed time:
h=9 m=32
